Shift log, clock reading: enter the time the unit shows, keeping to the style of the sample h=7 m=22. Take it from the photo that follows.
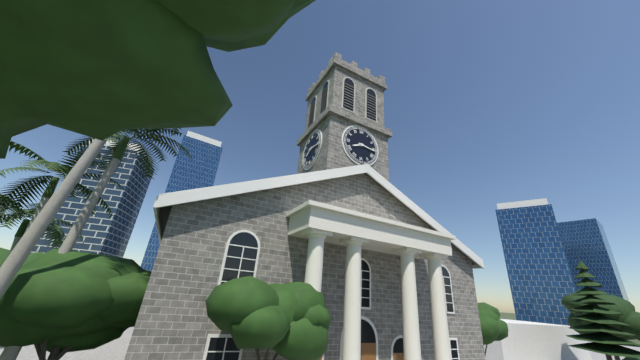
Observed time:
h=8 m=16
